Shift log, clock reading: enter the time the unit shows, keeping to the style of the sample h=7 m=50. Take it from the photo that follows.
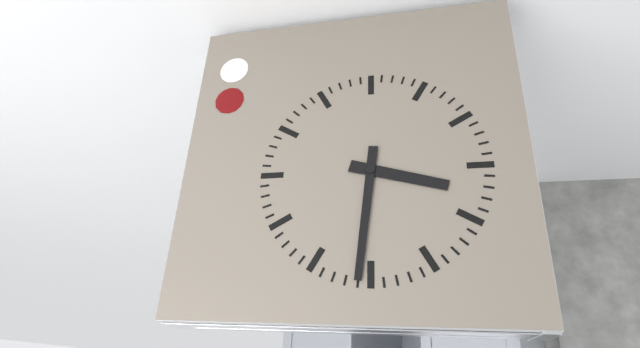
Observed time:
h=3 m=31
